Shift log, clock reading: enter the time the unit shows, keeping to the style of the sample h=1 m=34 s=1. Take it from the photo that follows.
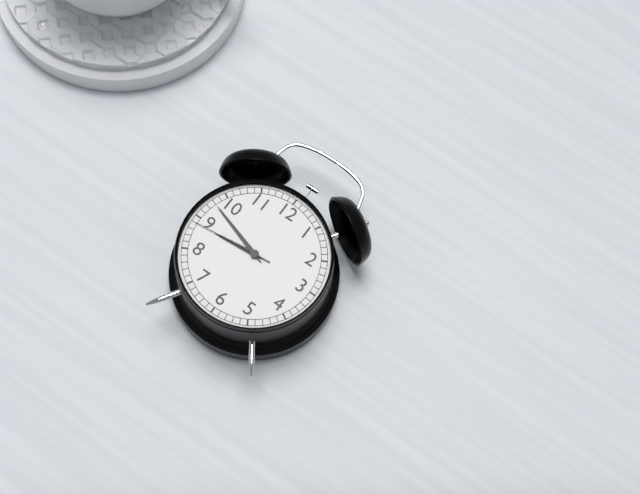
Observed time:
h=8 m=48 s=44
